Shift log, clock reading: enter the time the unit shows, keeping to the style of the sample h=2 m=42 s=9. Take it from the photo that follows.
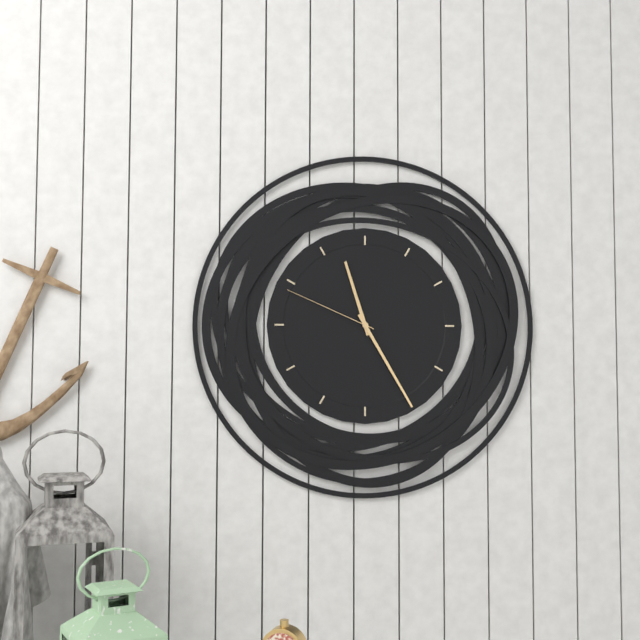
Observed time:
h=11 m=25 s=49
